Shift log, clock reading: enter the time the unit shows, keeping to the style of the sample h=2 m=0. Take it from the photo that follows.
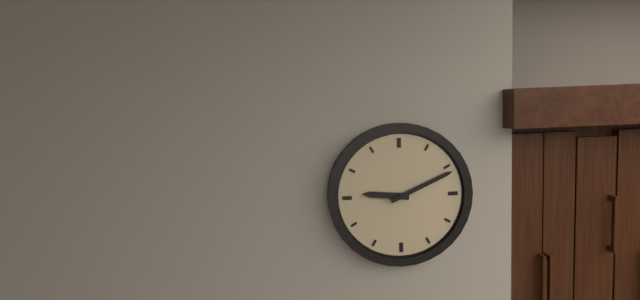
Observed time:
h=9 m=11
